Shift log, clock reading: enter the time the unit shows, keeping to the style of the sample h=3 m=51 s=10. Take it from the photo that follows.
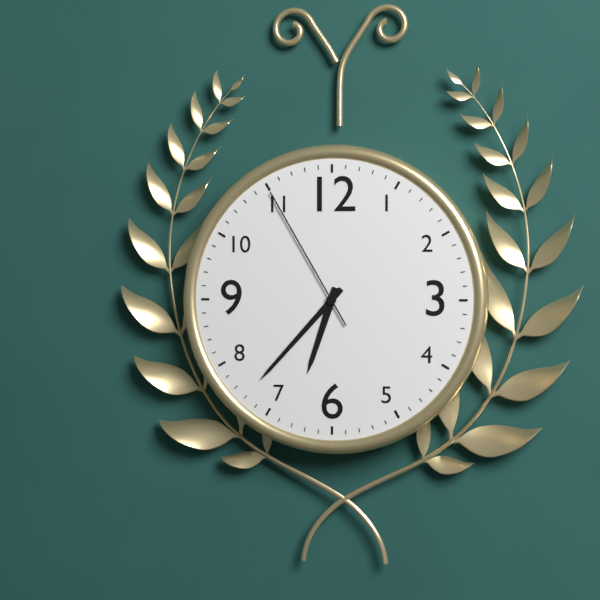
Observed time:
h=6 m=37 s=55
